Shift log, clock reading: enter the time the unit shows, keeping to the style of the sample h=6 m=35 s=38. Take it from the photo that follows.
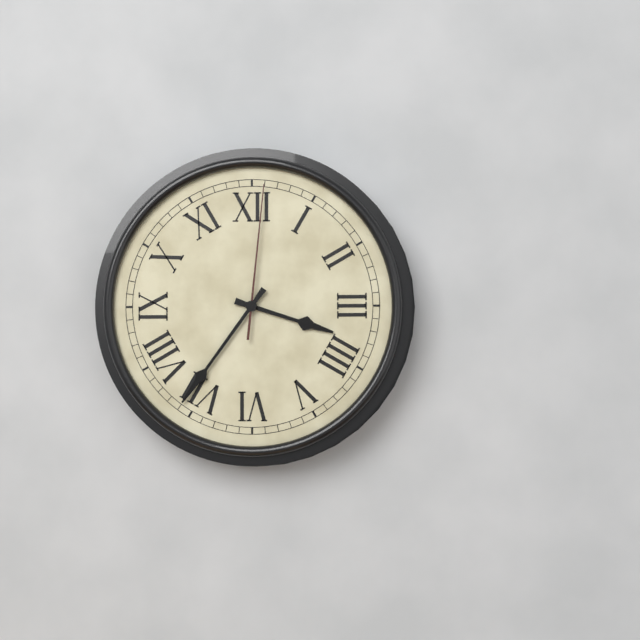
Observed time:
h=3 m=36 s=1
